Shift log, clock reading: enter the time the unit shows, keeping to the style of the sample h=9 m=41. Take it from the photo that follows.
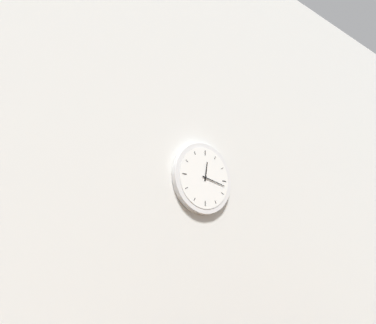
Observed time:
h=12 m=17
